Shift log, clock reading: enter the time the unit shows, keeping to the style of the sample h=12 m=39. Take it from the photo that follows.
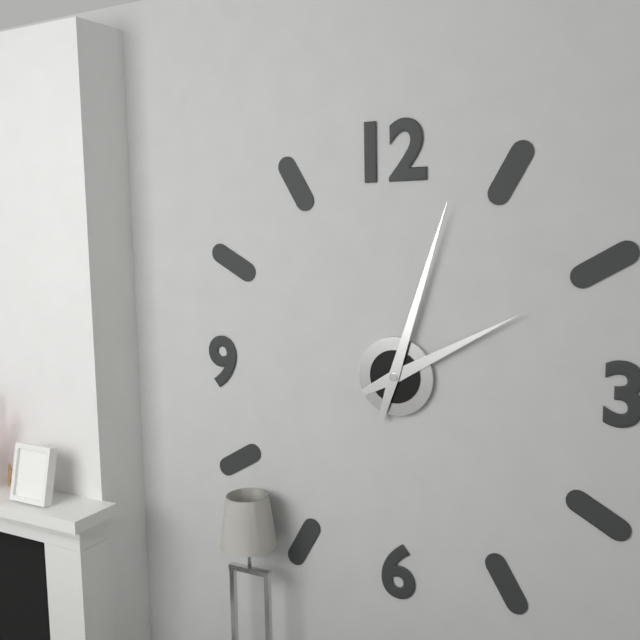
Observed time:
h=2 m=3
